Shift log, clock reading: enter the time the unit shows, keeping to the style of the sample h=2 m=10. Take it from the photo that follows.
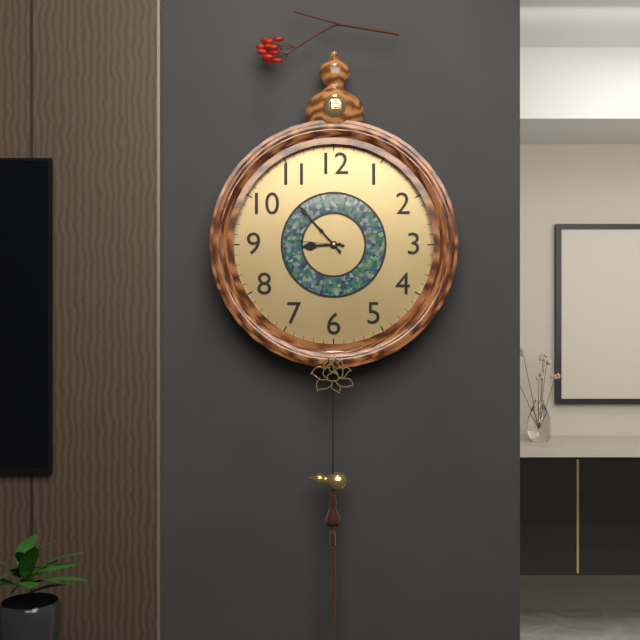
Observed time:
h=8 m=53
